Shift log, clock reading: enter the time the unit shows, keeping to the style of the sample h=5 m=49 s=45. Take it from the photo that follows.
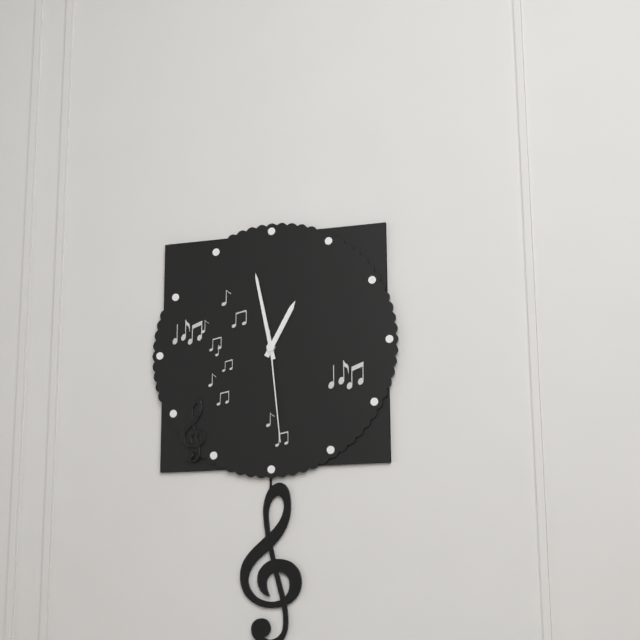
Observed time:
h=12 m=58 s=29
